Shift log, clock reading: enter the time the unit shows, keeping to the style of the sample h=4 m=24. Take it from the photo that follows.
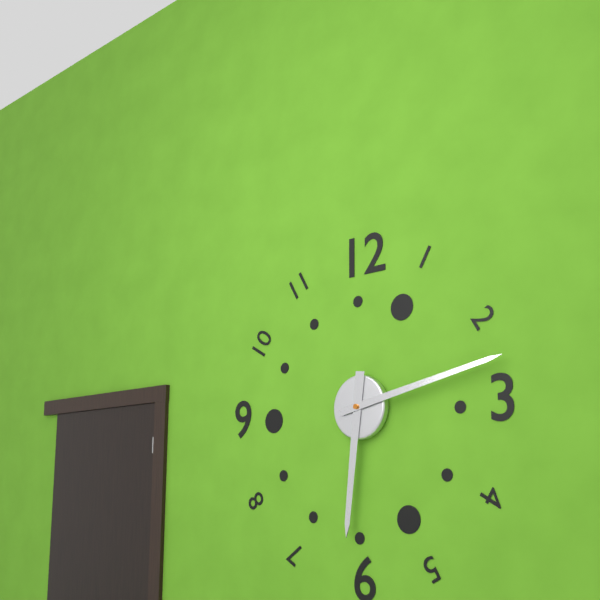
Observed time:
h=6 m=13
